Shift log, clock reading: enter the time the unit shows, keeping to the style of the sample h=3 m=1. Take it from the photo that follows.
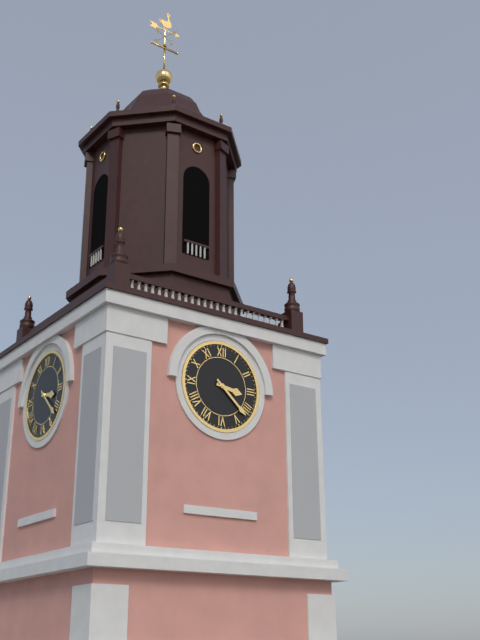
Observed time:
h=3 m=22
